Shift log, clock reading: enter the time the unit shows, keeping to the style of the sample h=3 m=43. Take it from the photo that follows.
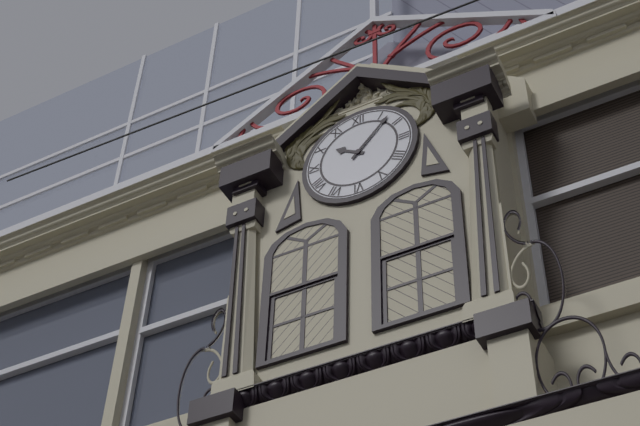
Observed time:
h=10 m=7
